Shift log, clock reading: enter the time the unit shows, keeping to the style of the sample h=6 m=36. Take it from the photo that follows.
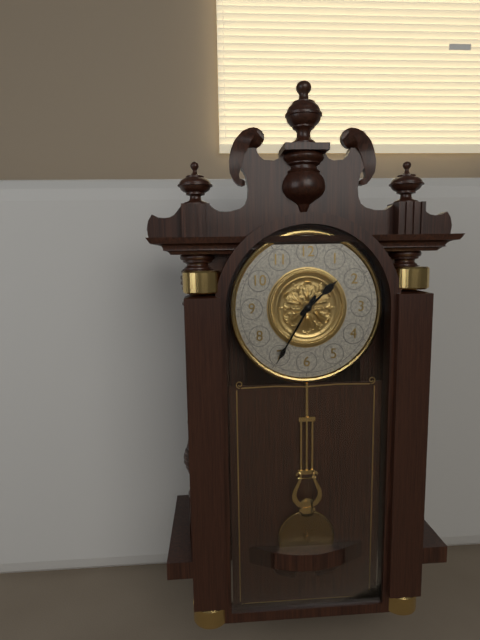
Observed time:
h=1 m=35
